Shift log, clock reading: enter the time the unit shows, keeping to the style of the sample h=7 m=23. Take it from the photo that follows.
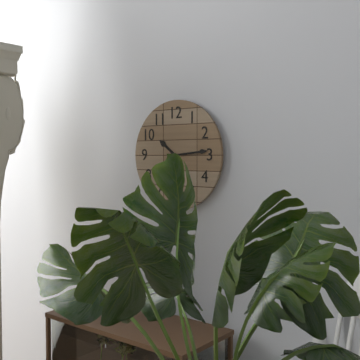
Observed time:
h=10 m=14
